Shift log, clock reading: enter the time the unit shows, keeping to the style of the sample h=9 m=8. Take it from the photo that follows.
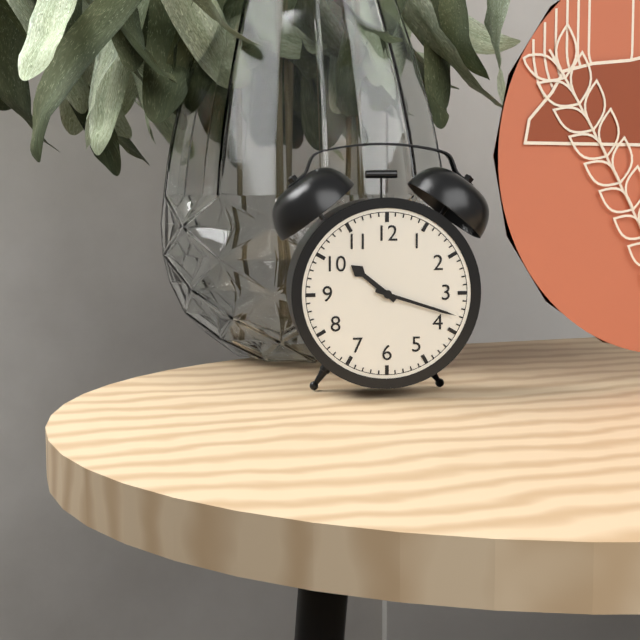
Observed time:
h=10 m=18
